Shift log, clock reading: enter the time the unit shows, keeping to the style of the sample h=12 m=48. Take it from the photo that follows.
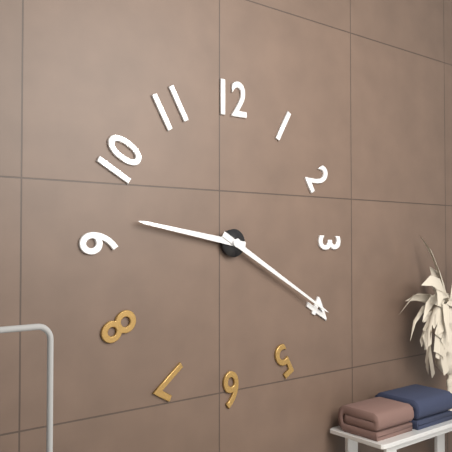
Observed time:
h=9 m=20
